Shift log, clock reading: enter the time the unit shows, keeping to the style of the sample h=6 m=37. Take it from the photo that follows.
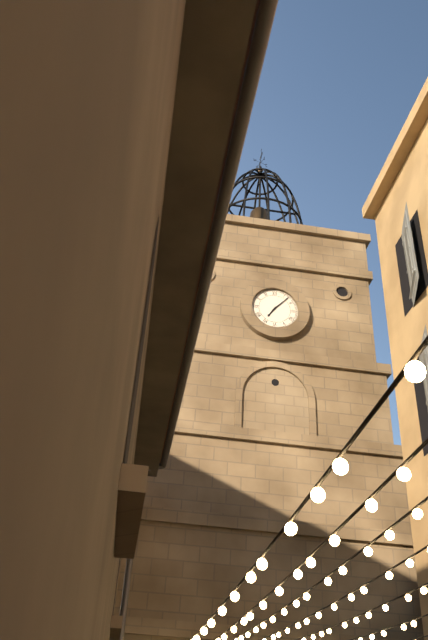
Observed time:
h=7 m=7
